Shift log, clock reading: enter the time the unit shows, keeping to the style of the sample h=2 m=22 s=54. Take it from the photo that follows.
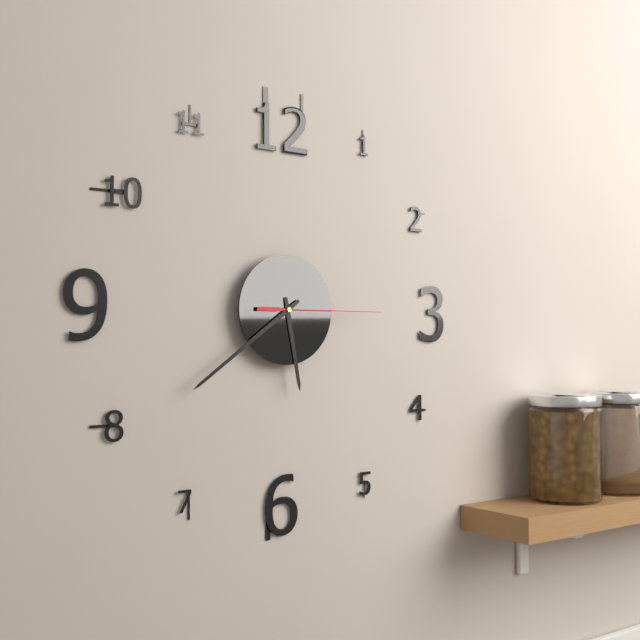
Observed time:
h=5 m=39 s=15
